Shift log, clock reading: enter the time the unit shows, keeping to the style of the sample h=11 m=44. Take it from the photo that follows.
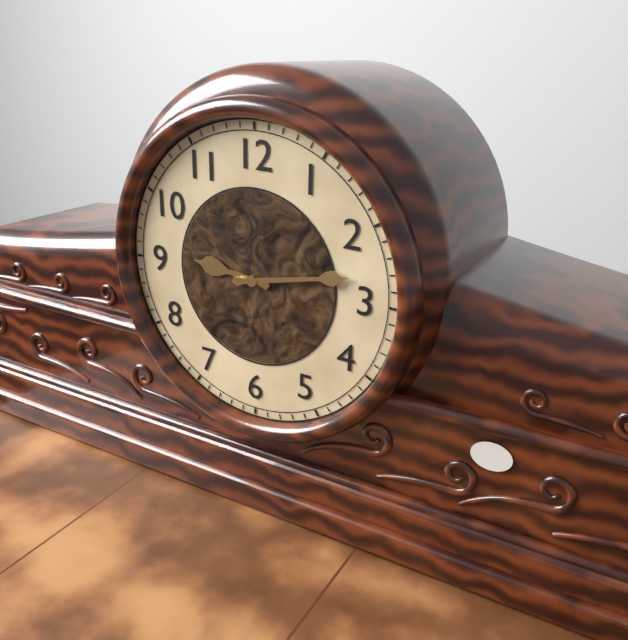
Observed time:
h=9 m=13
